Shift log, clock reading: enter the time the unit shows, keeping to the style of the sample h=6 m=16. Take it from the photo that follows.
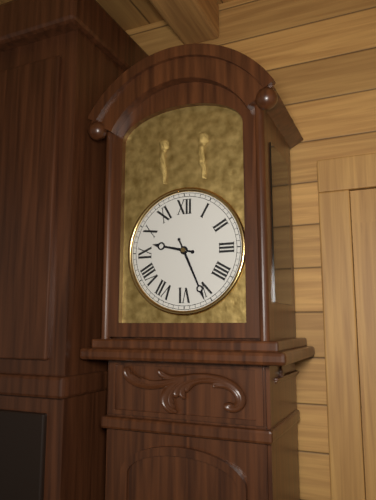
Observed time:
h=9 m=26
